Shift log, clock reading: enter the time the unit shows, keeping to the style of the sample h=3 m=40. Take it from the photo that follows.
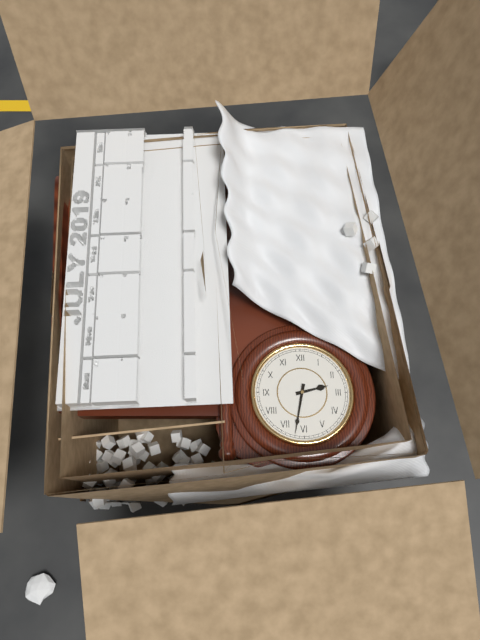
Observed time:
h=2 m=32
